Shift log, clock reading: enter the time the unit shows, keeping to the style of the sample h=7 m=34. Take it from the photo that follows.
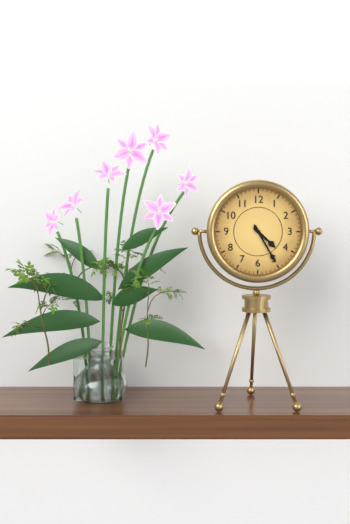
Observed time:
h=4 m=25
